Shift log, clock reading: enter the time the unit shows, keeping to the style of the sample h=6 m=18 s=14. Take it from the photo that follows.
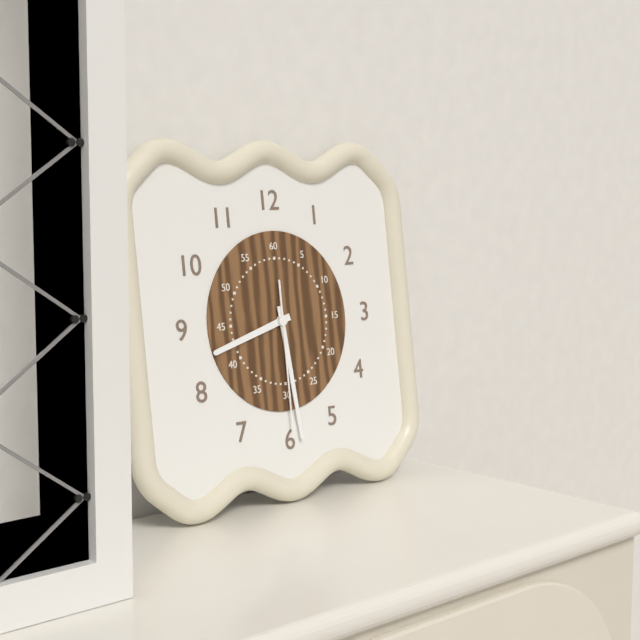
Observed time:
h=8 m=29 s=30
